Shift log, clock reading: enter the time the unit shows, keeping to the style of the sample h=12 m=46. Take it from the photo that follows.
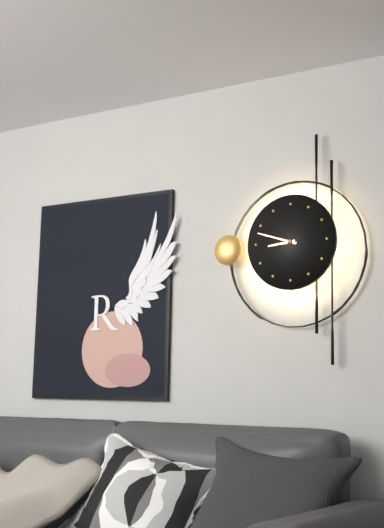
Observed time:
h=8 m=48
